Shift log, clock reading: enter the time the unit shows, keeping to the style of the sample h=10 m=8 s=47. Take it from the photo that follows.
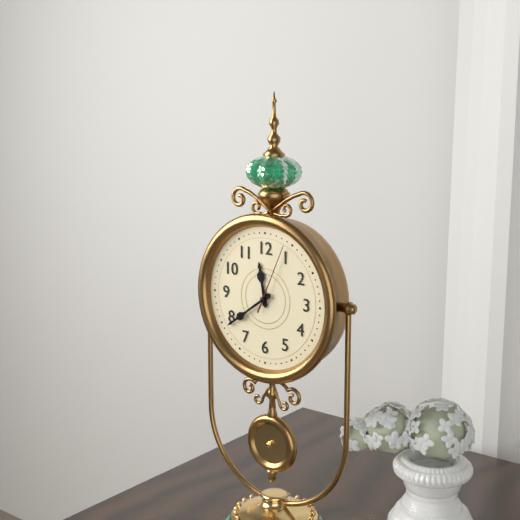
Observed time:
h=11 m=39 s=4
